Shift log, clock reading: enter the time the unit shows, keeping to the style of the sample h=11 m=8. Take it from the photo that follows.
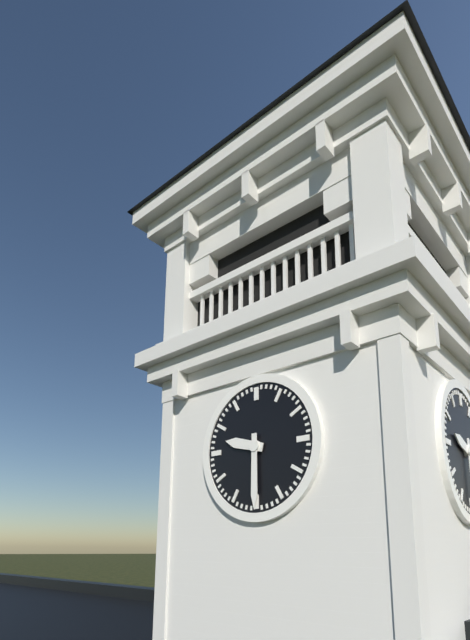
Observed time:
h=9 m=30
